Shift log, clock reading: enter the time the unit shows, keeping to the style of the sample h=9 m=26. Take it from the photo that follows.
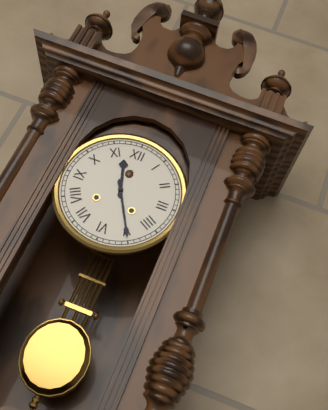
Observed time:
h=11 m=25
